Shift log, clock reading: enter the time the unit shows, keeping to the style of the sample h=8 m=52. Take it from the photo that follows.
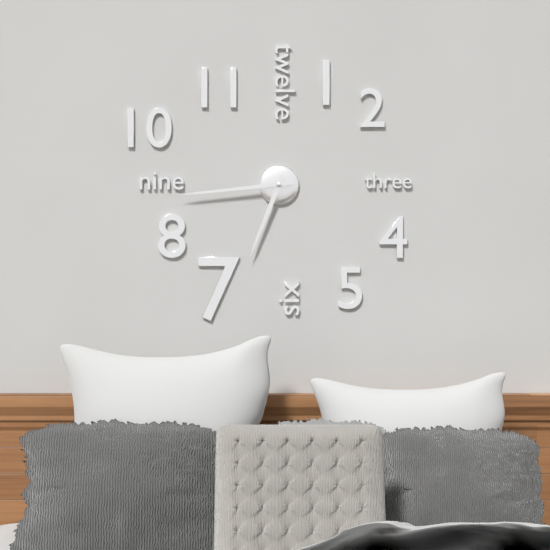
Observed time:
h=6 m=44
